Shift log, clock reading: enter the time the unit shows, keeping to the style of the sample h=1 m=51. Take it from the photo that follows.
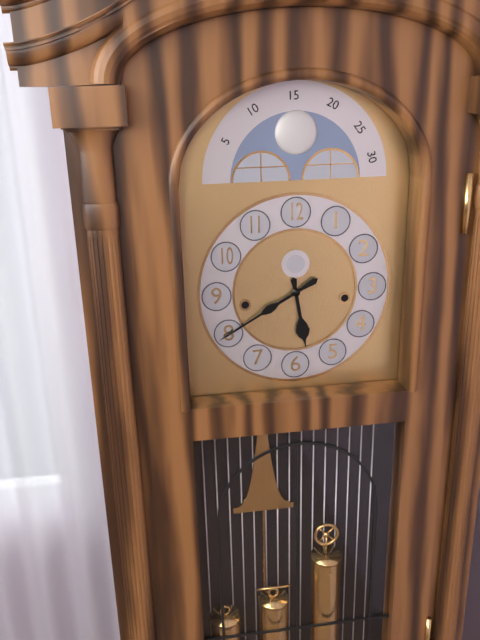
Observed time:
h=5 m=40
